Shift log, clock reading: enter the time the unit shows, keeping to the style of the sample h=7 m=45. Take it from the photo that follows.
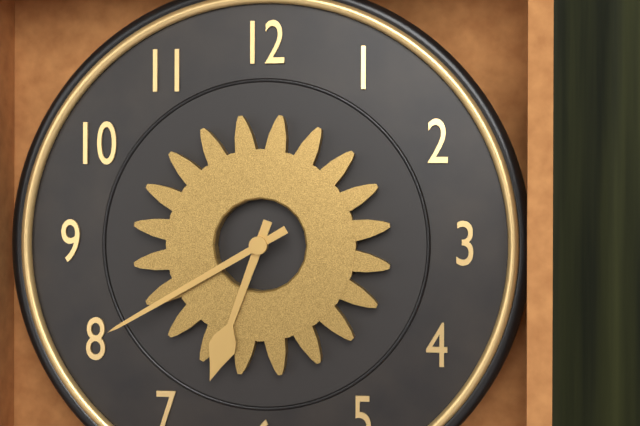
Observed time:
h=6 m=40
